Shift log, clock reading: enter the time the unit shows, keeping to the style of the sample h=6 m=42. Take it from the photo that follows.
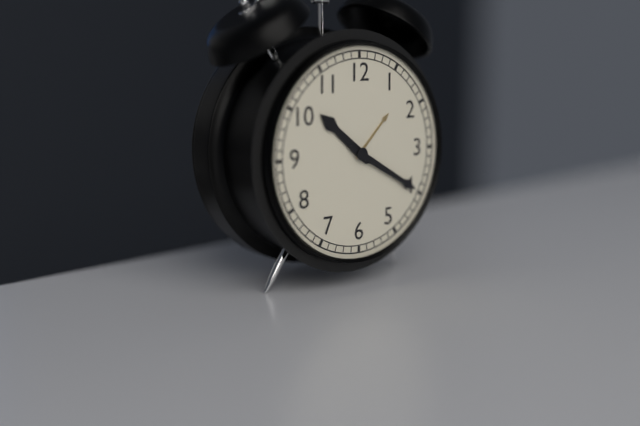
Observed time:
h=10 m=20
